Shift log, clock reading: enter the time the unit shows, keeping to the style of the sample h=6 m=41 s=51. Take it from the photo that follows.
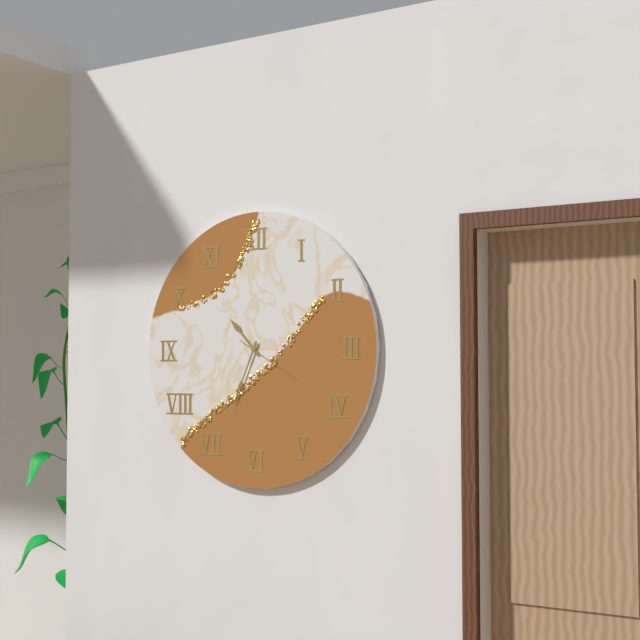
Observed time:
h=10 m=34 s=20
